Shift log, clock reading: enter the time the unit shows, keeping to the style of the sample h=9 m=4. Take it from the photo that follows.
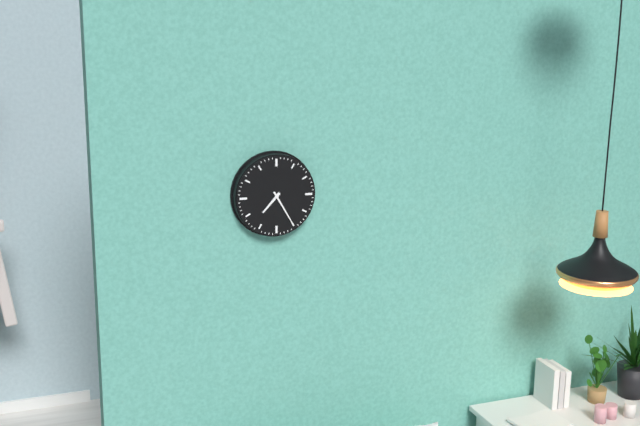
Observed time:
h=7 m=25
